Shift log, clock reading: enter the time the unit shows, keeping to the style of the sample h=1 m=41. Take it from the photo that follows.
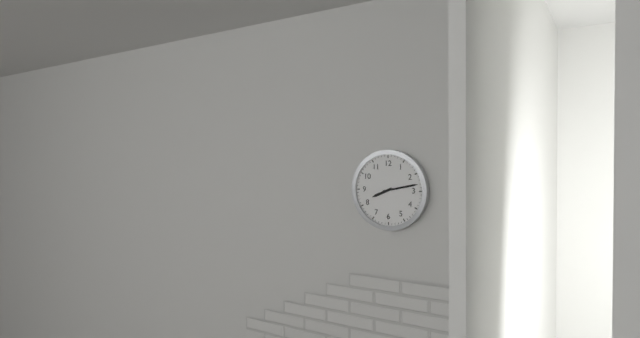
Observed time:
h=8 m=13
